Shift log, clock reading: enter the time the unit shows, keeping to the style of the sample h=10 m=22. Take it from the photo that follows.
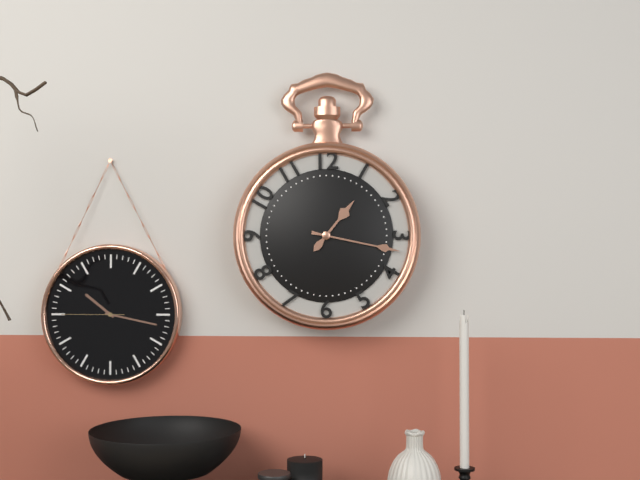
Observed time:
h=1 m=17
